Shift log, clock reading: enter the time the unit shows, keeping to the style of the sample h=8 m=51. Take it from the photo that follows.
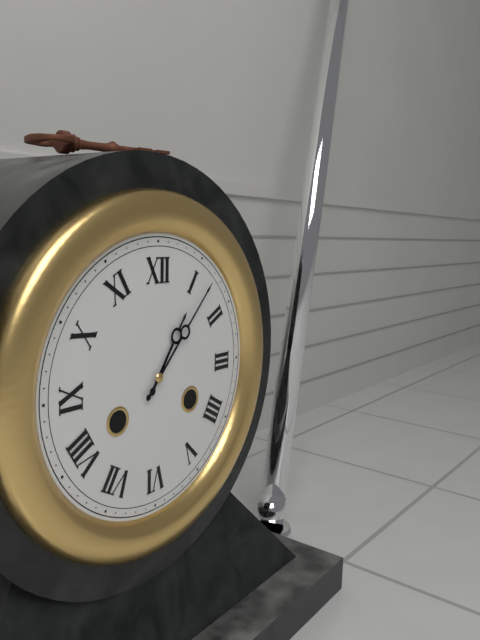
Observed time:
h=1 m=7
